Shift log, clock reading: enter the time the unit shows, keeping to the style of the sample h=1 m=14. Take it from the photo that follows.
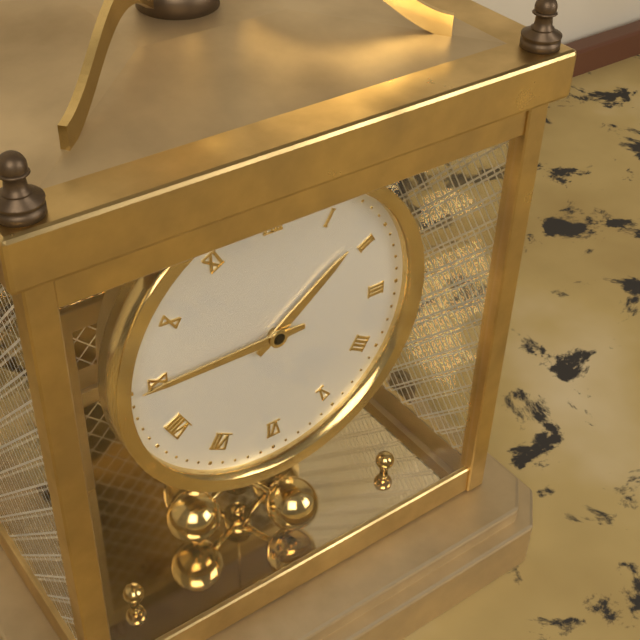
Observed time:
h=1 m=45
